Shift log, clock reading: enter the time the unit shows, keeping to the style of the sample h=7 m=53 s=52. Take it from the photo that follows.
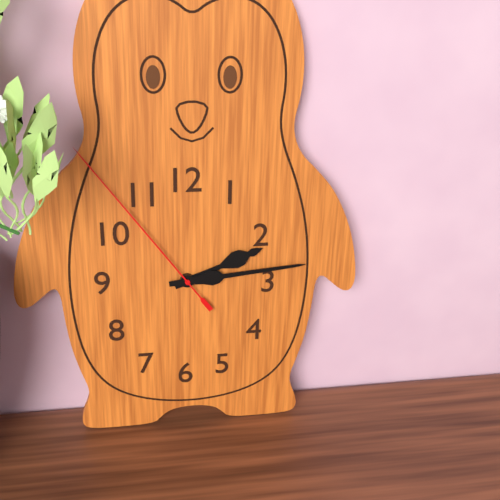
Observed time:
h=2 m=14 s=54
